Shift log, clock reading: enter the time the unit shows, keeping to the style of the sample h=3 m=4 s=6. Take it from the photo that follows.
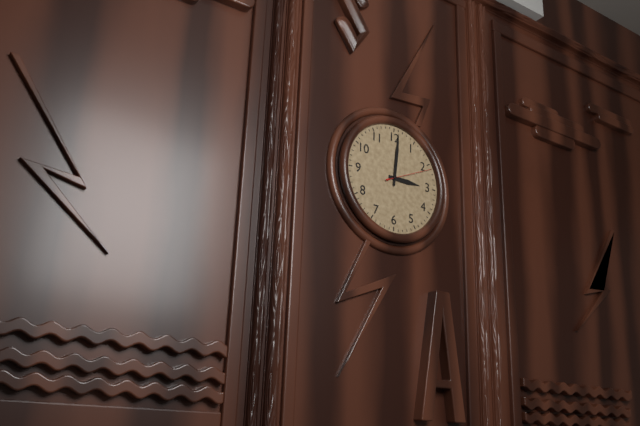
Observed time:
h=3 m=1 s=11
